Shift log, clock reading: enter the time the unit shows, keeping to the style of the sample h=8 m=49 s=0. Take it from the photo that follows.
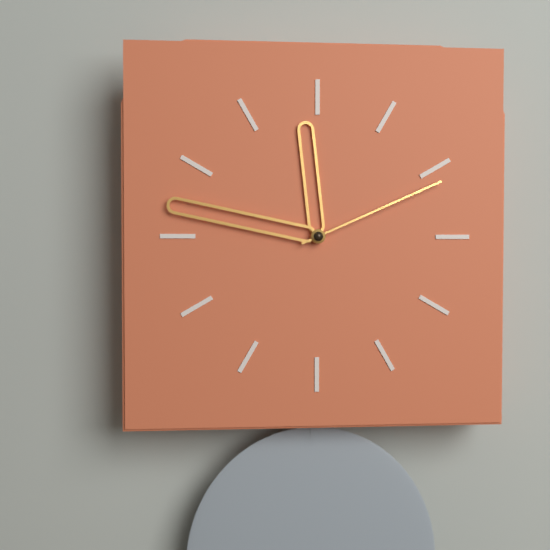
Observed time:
h=11 m=47 s=11
